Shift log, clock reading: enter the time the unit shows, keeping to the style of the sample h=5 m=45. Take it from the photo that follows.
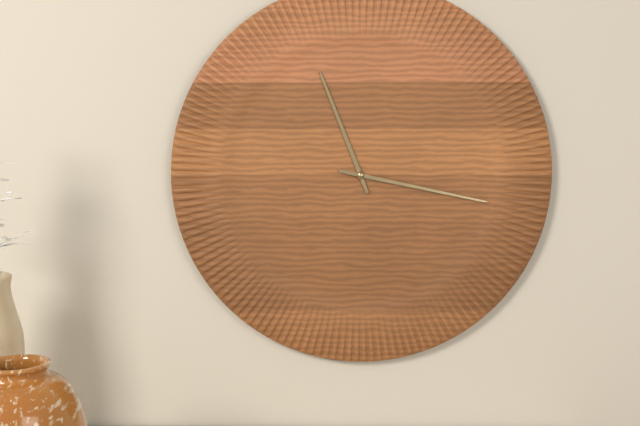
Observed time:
h=11 m=17
